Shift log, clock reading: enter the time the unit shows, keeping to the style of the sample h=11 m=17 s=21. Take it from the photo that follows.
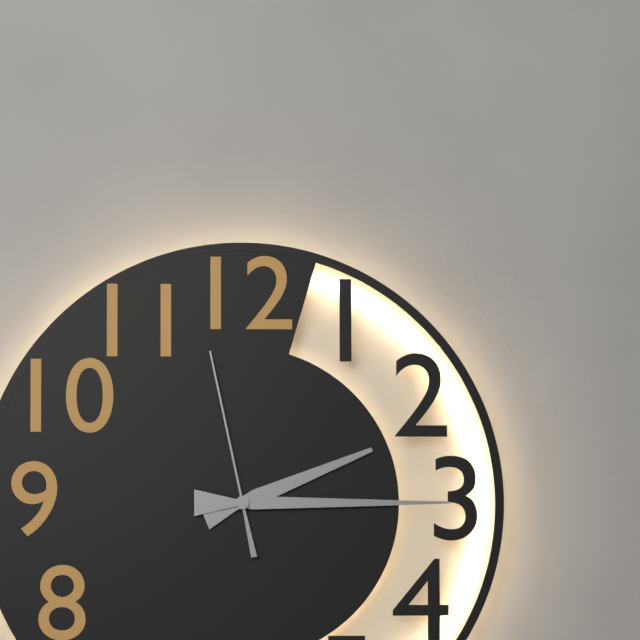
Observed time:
h=2 m=15 s=58
